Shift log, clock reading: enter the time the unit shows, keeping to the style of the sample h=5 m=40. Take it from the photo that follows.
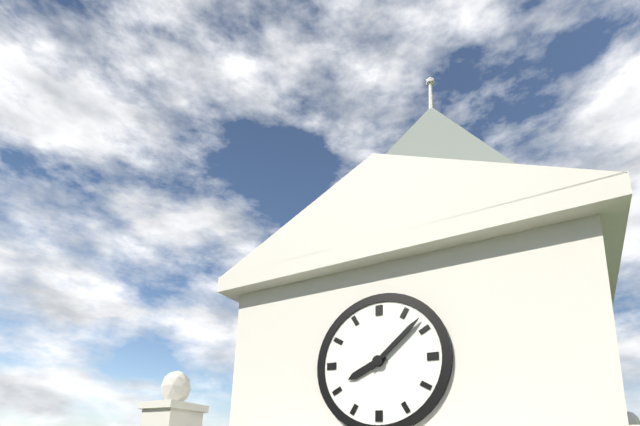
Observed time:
h=8 m=8
